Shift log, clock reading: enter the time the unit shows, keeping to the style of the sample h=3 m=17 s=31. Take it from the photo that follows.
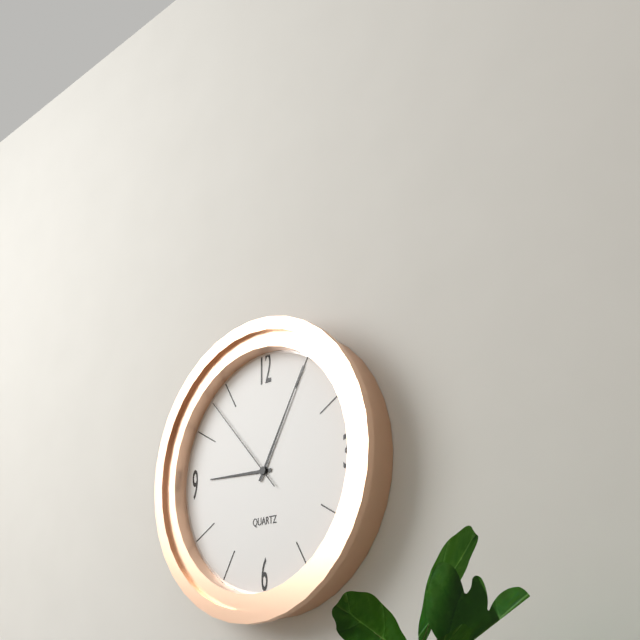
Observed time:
h=9 m=5 s=53
